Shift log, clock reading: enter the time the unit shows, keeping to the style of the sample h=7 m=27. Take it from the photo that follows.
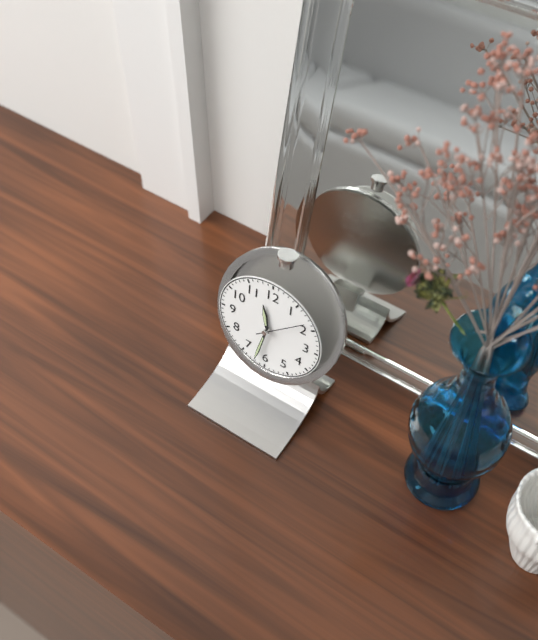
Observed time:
h=11 m=32
